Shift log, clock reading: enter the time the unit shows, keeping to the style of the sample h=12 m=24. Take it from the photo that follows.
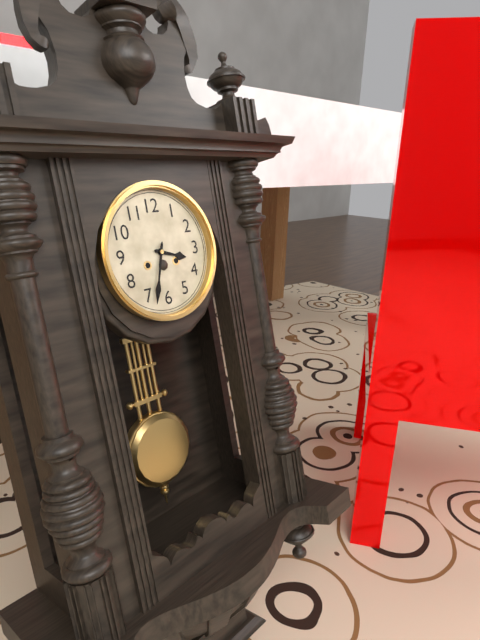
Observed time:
h=3 m=33
